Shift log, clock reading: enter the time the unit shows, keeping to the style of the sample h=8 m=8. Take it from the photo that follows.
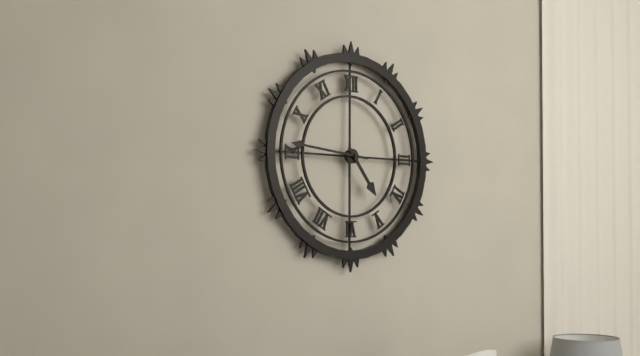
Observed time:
h=4 m=46
